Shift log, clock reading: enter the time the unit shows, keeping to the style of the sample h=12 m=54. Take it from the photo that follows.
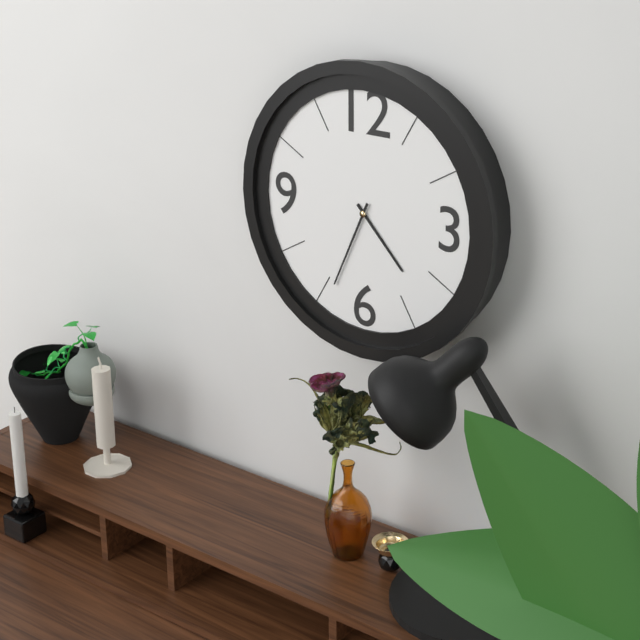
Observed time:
h=4 m=34
